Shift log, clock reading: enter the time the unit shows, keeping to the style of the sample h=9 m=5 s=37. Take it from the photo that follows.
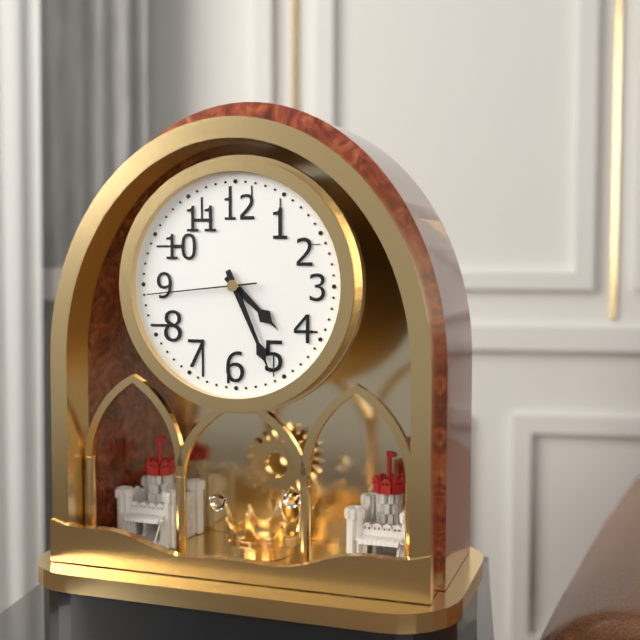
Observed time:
h=4 m=26 s=44
